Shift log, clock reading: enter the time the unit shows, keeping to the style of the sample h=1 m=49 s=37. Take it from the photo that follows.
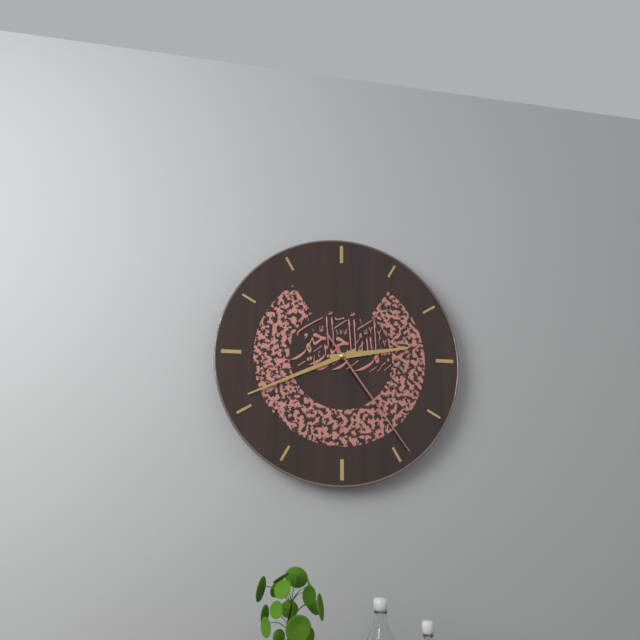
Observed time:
h=2 m=41 s=24
